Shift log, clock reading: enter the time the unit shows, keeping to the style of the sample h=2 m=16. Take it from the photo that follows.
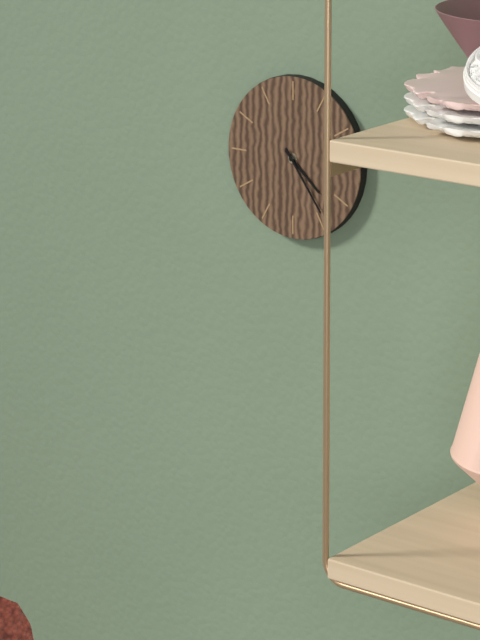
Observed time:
h=4 m=24
